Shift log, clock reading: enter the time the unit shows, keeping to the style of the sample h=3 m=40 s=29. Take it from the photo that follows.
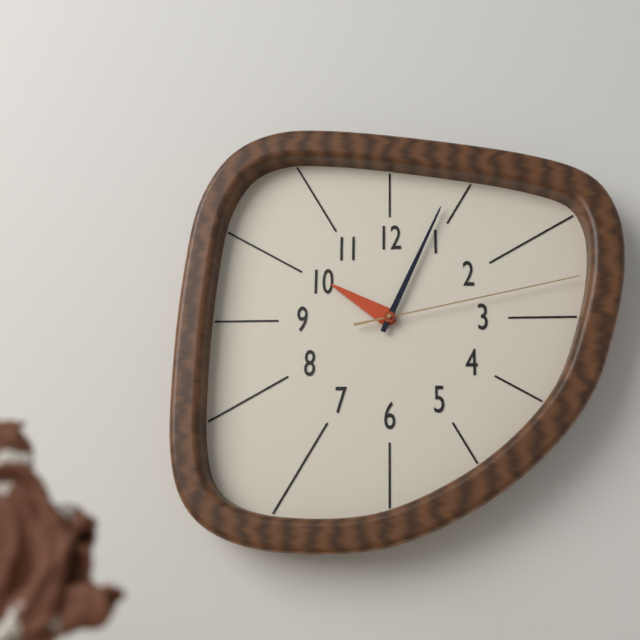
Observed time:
h=10 m=4 s=13
